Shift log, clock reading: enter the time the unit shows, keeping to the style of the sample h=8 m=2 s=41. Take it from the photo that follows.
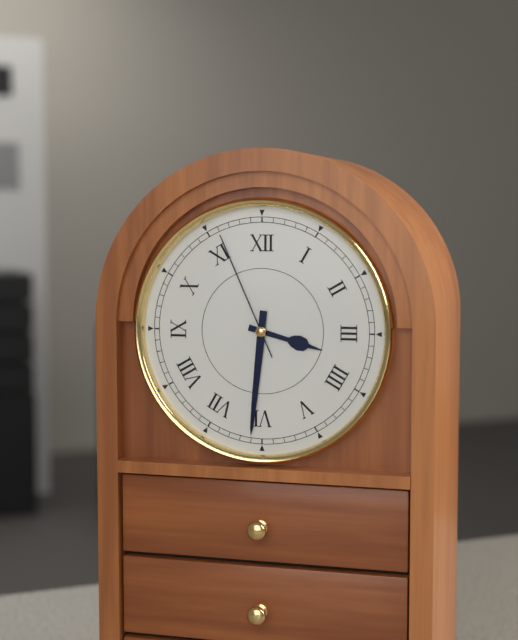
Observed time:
h=3 m=31 s=56
